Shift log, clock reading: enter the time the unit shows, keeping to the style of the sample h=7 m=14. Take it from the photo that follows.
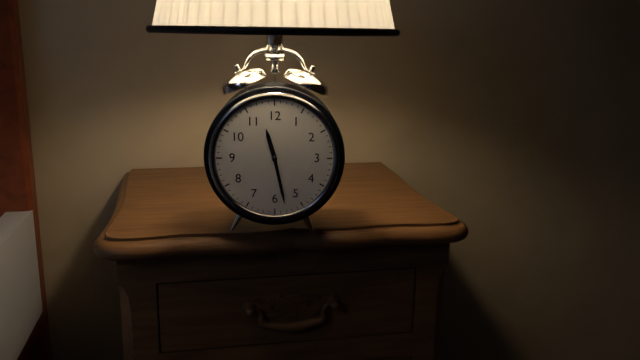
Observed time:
h=11 m=28
